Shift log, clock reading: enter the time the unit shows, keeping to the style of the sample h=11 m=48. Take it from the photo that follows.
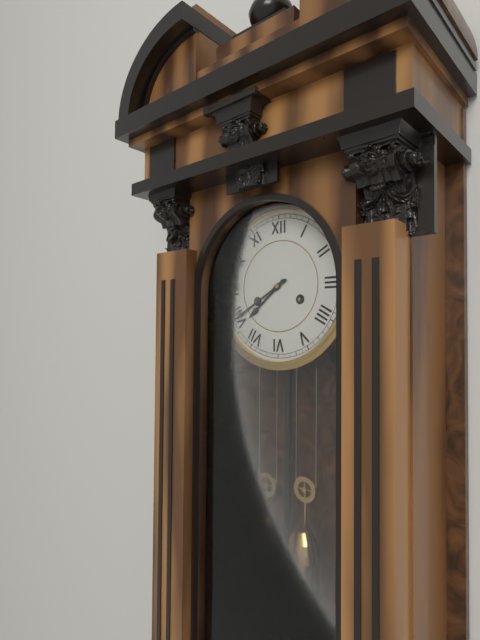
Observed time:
h=7 m=40
